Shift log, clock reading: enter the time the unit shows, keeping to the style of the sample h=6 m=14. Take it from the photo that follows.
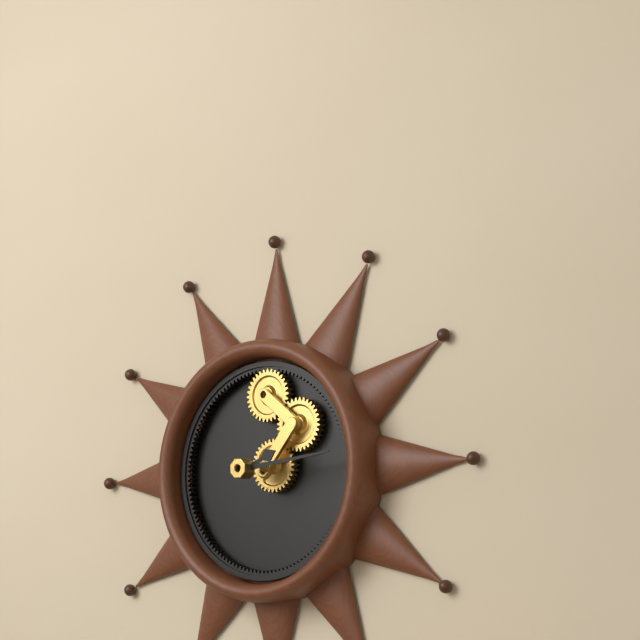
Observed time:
h=2 m=14
